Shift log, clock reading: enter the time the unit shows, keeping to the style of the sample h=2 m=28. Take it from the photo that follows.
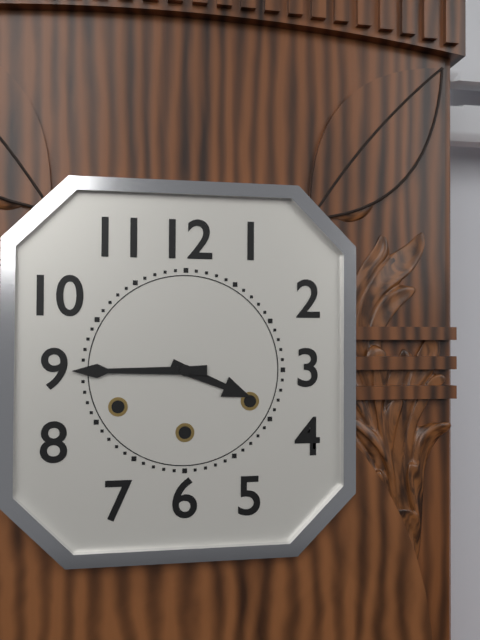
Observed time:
h=3 m=45
